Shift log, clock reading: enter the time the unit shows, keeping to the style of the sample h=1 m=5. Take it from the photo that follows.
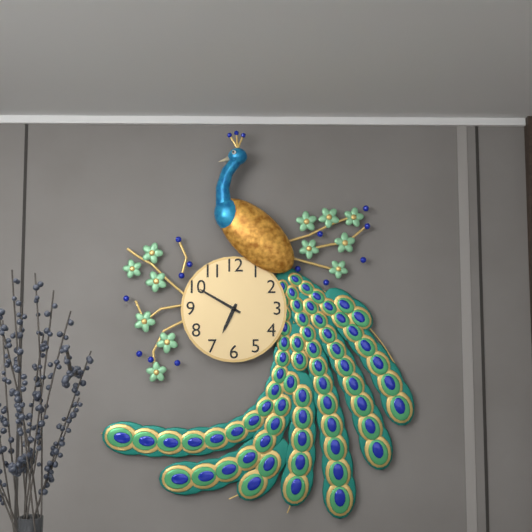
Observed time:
h=6 m=50
